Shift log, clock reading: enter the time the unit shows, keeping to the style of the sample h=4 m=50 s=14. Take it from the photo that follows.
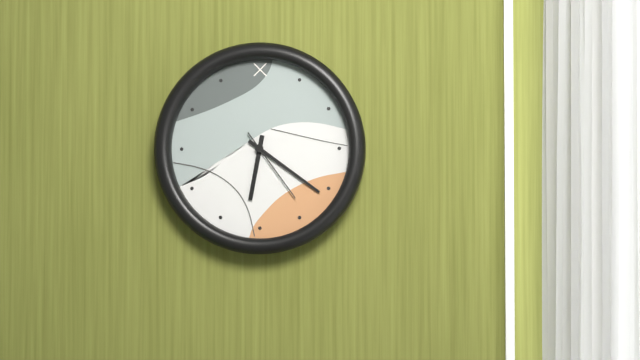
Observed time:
h=6 m=21 s=24
